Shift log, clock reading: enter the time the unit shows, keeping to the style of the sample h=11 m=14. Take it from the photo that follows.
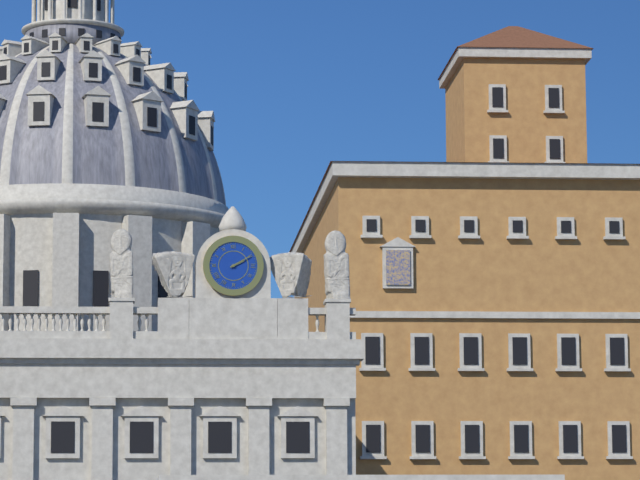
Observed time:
h=2 m=10
